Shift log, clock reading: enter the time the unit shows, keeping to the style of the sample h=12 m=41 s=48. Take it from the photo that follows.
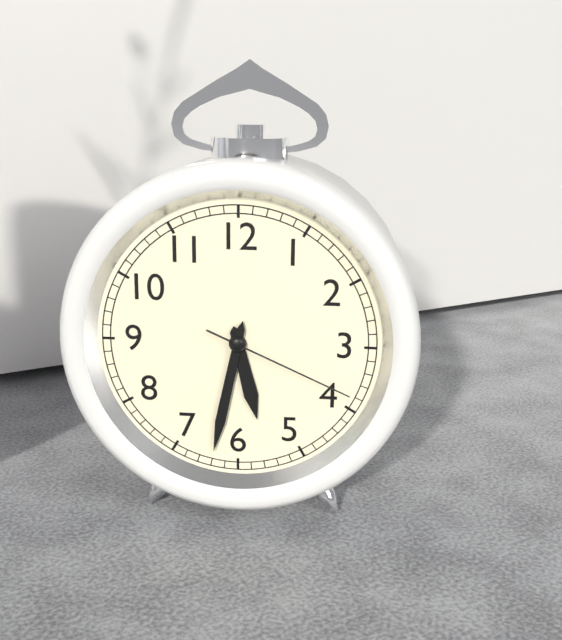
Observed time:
h=5 m=32 s=19
